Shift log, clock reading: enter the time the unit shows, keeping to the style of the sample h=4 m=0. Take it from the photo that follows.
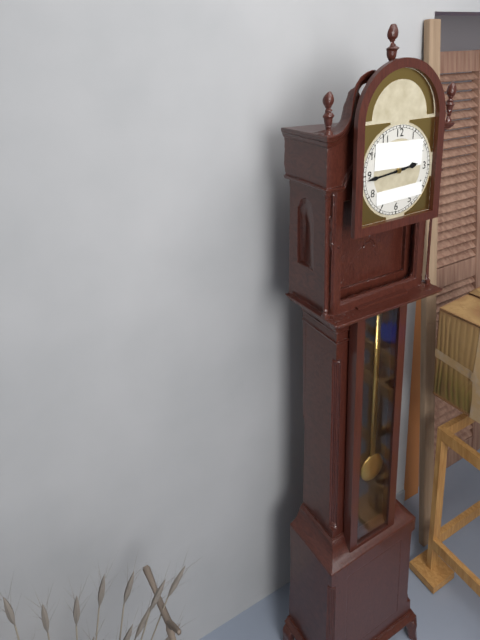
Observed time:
h=2 m=44
